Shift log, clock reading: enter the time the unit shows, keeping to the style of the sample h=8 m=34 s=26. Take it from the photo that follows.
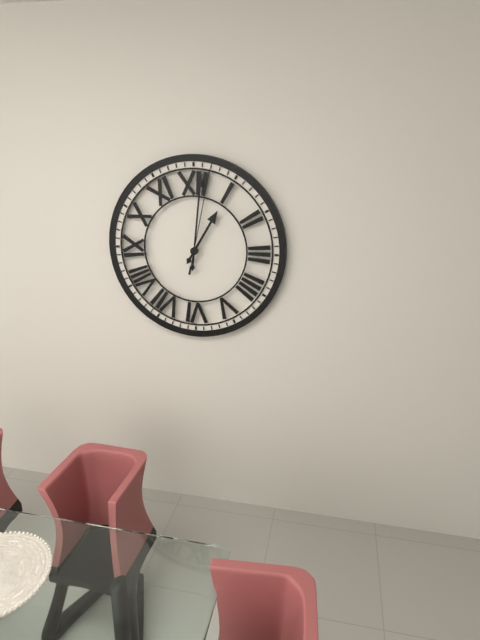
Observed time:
h=1 m=1 s=2
